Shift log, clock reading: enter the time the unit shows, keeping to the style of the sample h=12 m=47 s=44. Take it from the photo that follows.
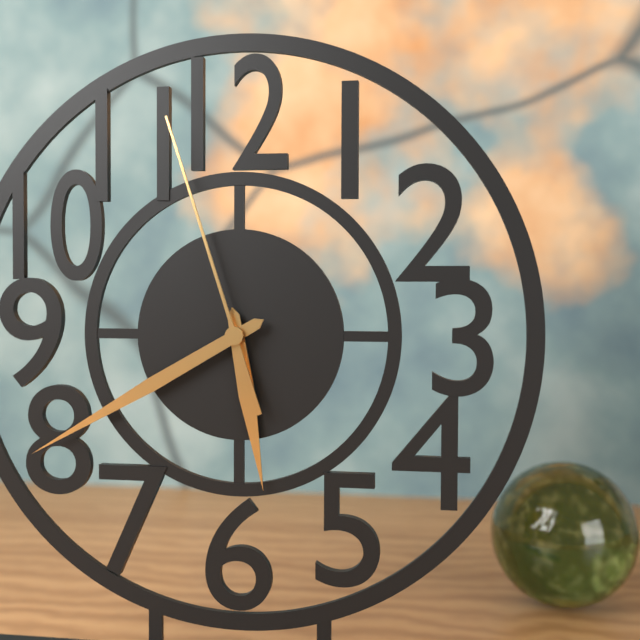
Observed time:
h=5 m=40 s=57
